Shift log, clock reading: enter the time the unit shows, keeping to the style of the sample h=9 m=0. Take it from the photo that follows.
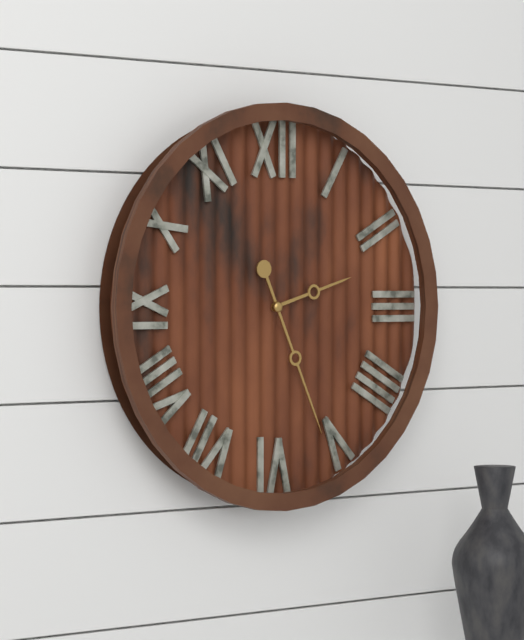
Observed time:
h=2 m=26
